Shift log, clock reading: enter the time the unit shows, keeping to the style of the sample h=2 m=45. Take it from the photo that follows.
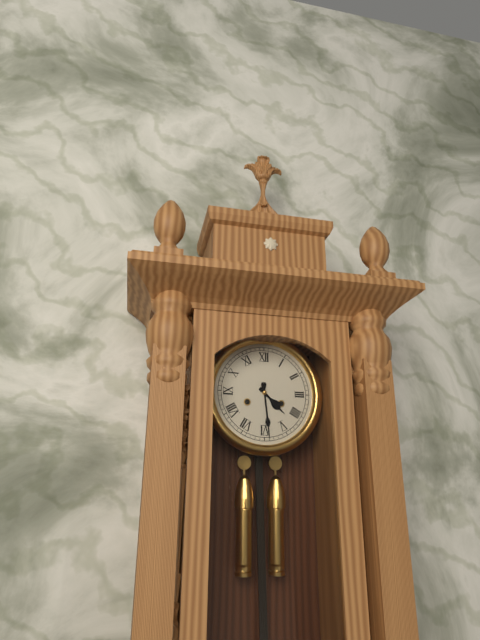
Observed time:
h=4 m=29
